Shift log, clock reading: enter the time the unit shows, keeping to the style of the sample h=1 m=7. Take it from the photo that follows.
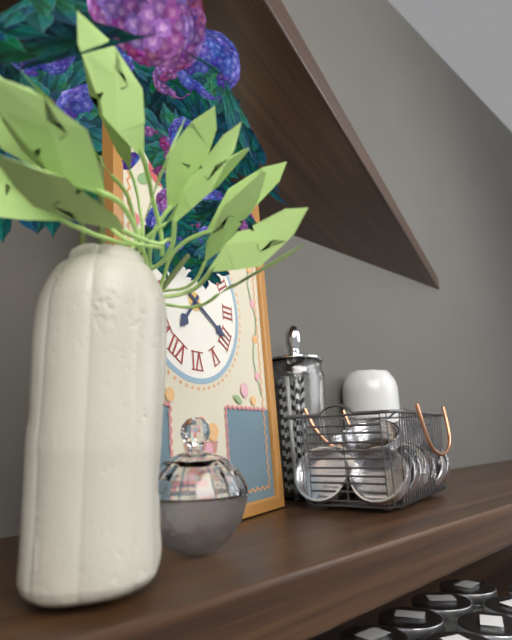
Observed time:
h=7 m=20
